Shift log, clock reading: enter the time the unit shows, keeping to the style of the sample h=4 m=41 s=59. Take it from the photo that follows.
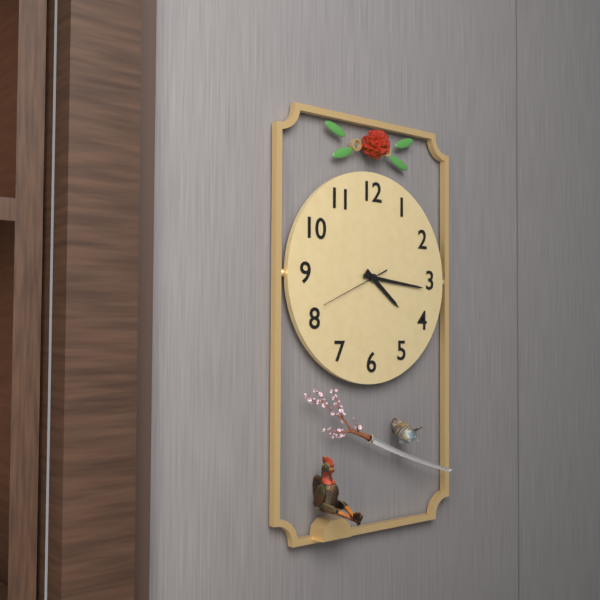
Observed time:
h=4 m=16 s=41
